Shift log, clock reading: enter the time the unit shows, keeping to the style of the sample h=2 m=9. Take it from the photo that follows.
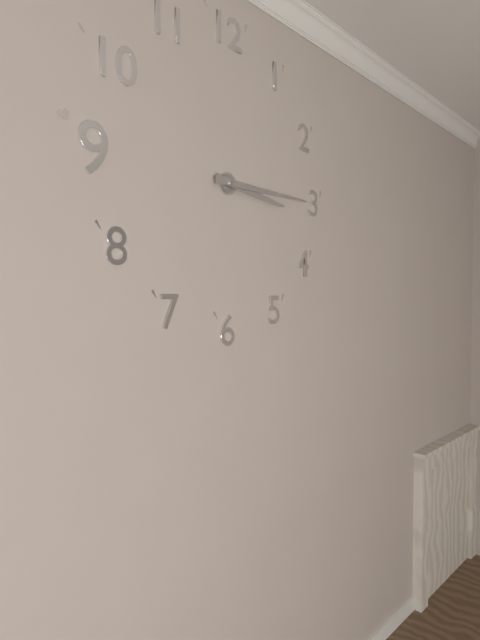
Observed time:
h=3 m=15
